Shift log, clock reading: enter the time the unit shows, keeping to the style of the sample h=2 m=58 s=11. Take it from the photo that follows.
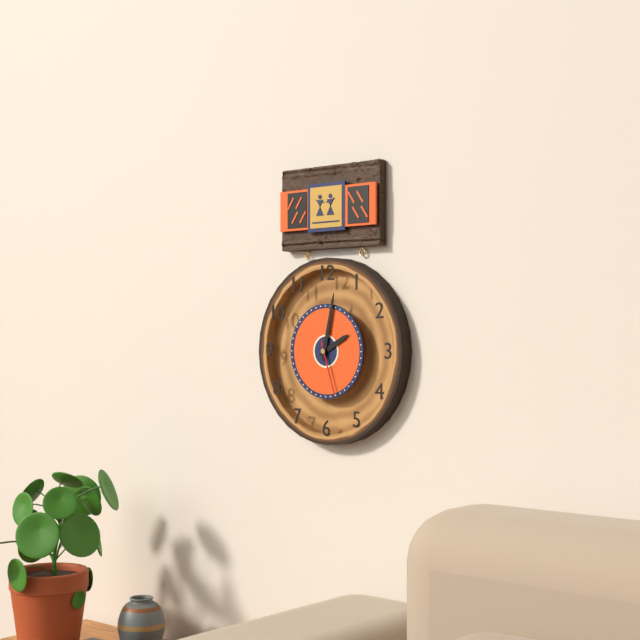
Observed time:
h=2 m=2 s=27
